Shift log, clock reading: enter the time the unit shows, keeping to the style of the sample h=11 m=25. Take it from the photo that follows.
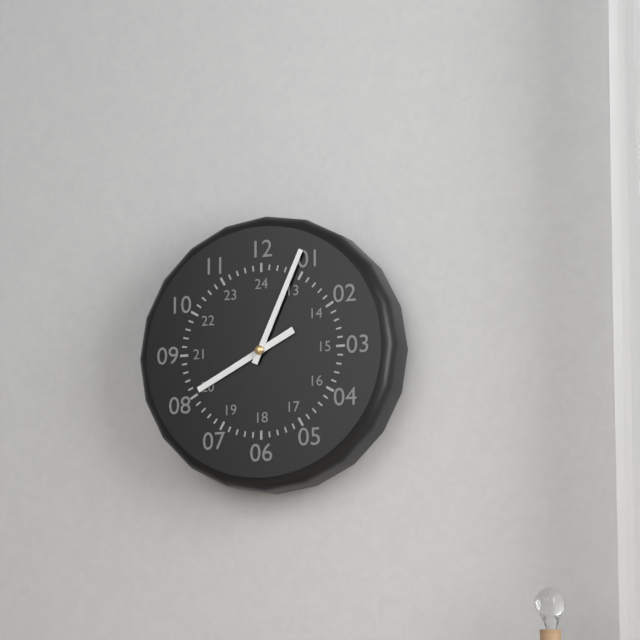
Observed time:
h=8 m=4
